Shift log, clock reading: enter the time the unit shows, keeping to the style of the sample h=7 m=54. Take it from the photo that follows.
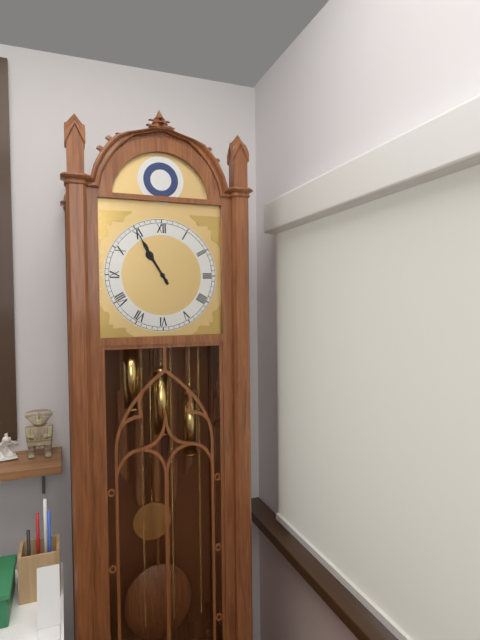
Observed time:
h=10 m=55
